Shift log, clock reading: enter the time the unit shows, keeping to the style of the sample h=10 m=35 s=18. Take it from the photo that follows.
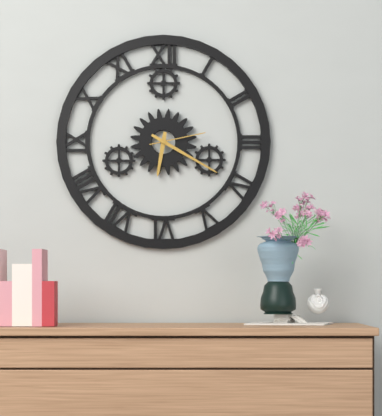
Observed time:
h=6 m=20 s=13
